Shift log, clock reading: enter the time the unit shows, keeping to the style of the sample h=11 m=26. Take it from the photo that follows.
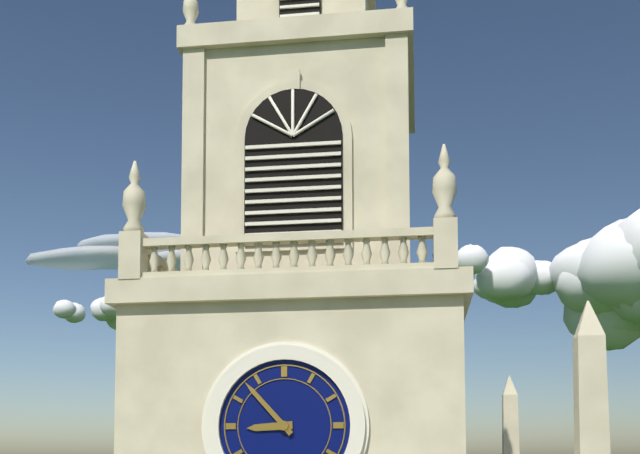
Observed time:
h=8 m=53
